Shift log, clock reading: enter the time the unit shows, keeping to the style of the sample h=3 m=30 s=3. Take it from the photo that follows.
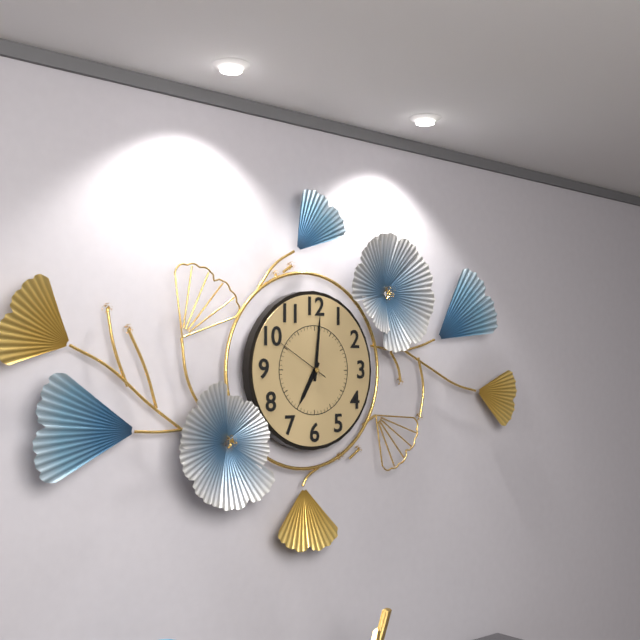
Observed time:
h=7 m=1 s=50
